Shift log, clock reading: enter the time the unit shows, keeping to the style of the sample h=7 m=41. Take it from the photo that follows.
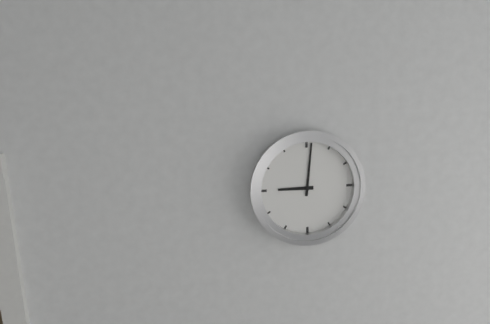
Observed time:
h=9 m=1
